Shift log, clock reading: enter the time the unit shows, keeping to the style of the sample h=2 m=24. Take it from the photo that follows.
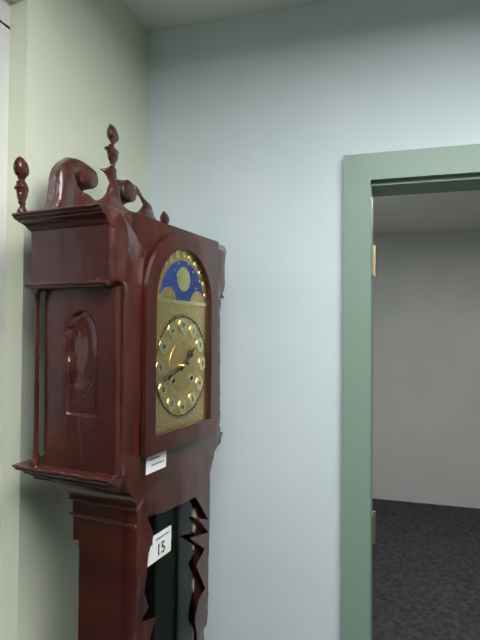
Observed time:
h=1 m=42
